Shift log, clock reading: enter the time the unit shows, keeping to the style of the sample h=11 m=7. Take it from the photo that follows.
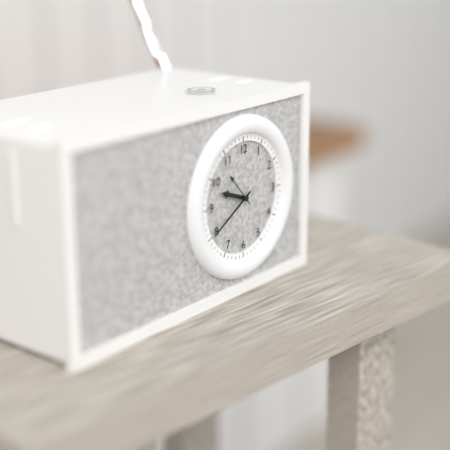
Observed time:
h=9 m=40
